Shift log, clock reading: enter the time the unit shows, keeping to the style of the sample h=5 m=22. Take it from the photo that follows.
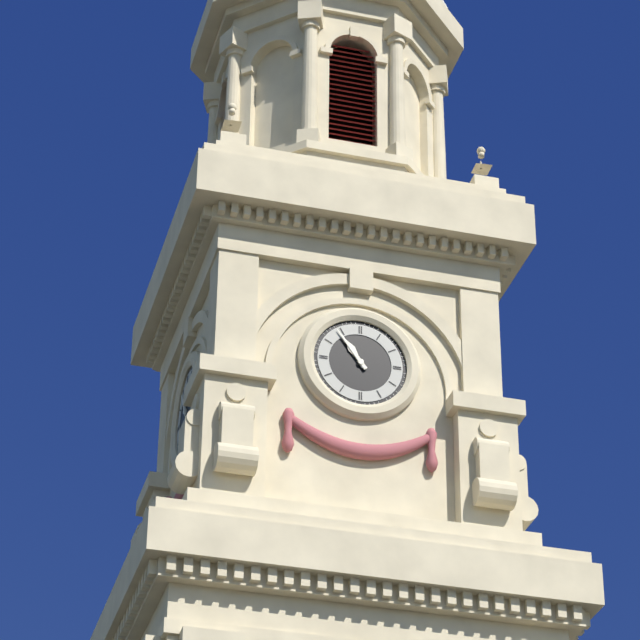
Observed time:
h=10 m=54
